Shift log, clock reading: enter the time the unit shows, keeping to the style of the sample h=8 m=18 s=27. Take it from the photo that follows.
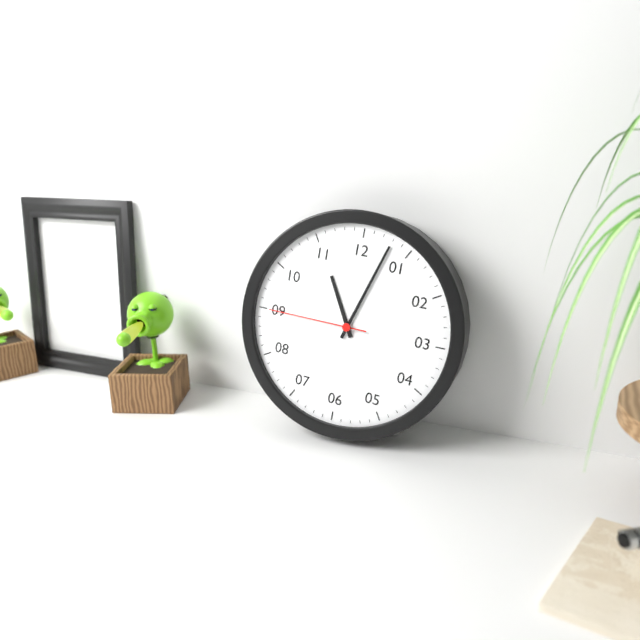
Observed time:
h=11 m=3 s=45
